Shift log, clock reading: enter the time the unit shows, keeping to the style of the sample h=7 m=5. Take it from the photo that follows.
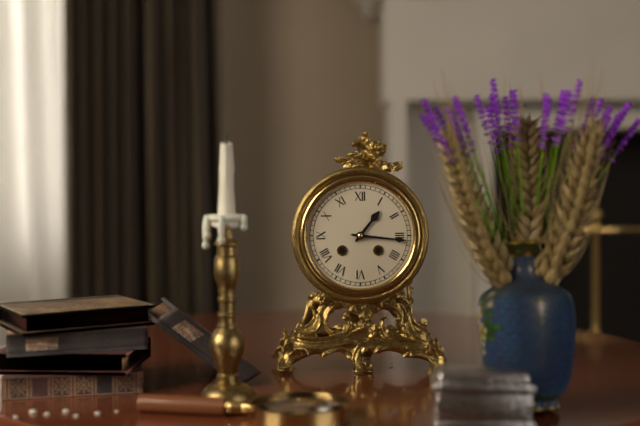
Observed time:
h=1 m=16
